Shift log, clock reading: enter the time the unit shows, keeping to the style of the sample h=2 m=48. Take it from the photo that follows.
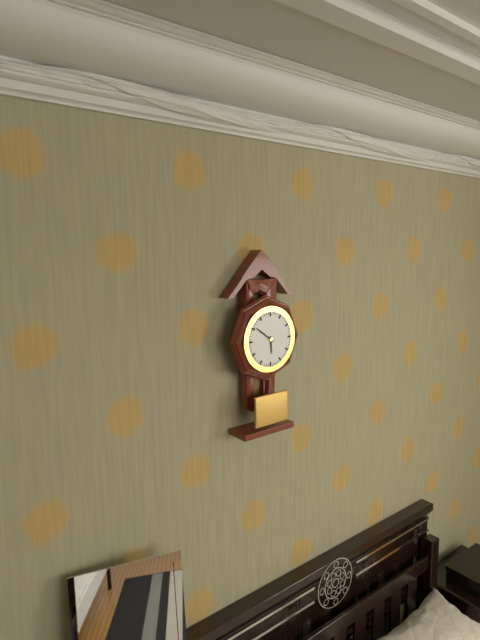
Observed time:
h=5 m=51
